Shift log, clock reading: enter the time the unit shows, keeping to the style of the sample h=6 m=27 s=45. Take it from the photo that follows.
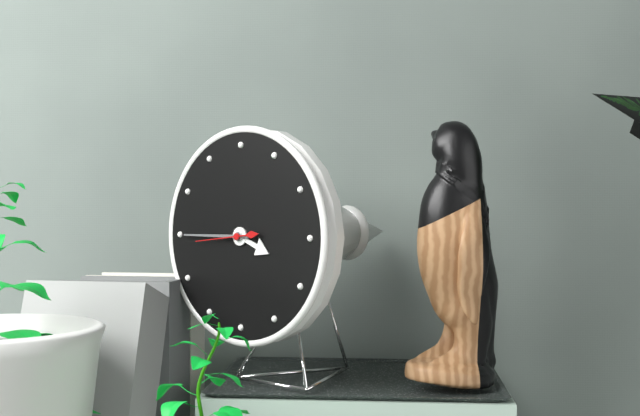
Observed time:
h=3 m=45 s=44
